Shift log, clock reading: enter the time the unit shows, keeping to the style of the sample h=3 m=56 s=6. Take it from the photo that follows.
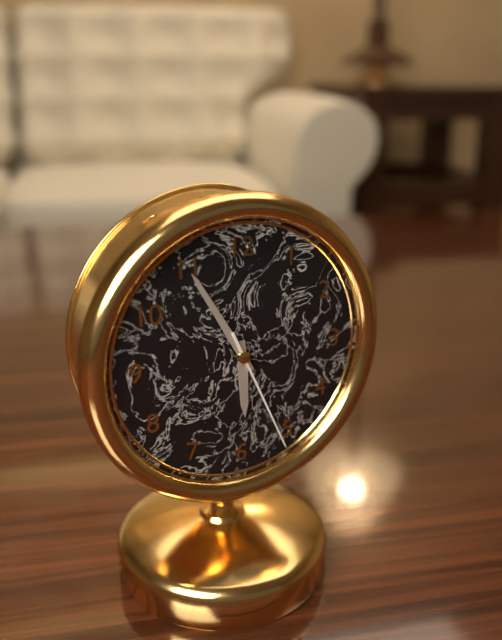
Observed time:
h=5 m=55 s=26
